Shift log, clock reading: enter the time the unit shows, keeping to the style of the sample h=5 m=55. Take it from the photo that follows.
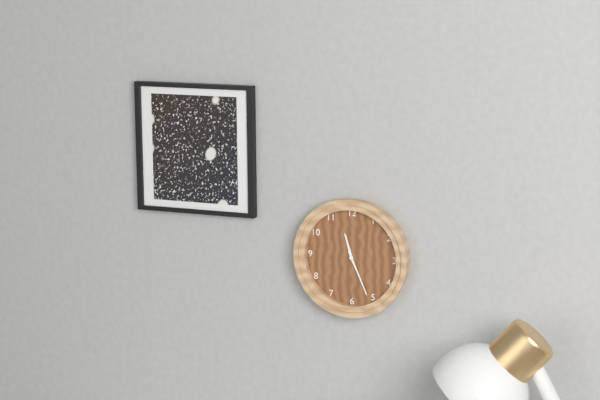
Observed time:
h=11 m=26
